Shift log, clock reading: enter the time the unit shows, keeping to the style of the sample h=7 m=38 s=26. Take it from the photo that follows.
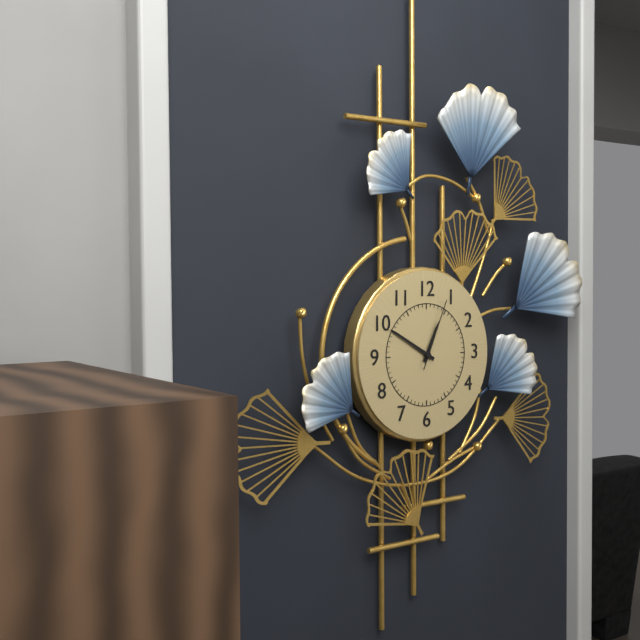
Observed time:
h=12 m=50 s=4
